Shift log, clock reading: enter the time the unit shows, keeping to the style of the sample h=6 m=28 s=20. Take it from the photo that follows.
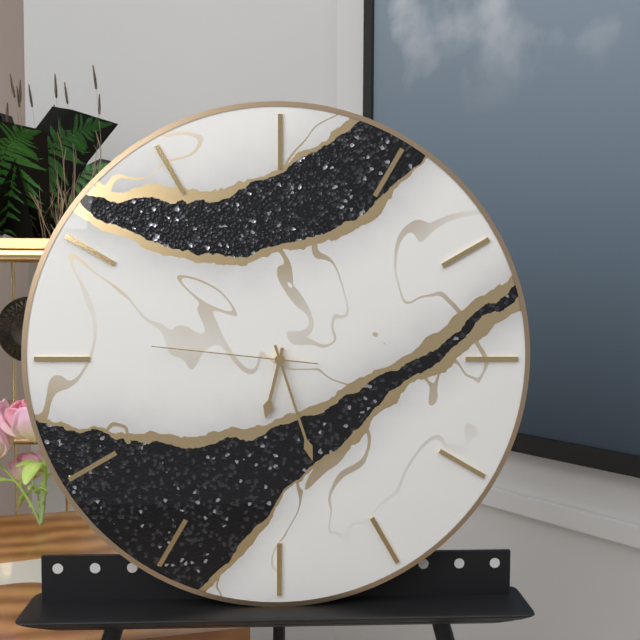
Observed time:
h=6 m=27 s=46
